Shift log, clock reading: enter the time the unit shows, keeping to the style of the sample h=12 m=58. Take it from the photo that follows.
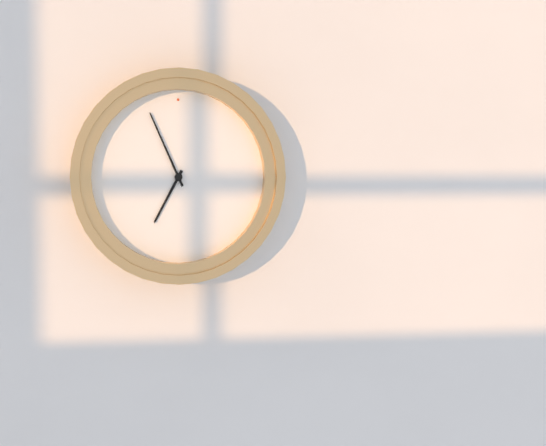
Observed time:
h=6 m=56
